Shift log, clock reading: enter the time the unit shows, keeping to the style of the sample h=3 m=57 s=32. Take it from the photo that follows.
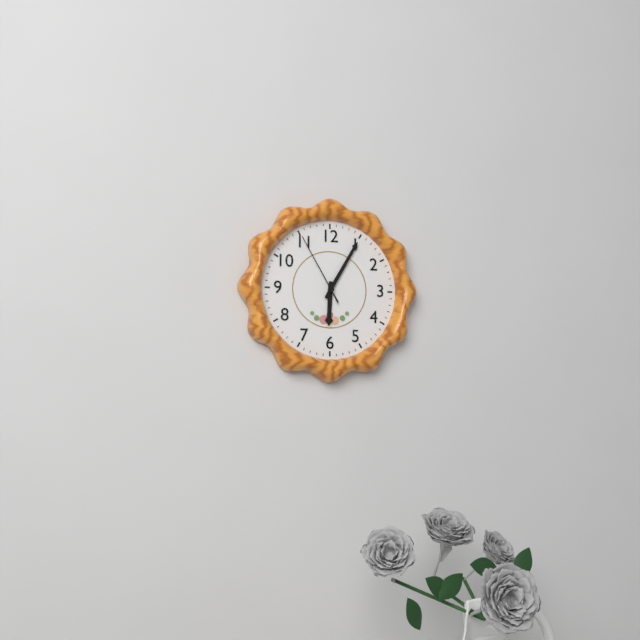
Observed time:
h=6 m=5 s=55
